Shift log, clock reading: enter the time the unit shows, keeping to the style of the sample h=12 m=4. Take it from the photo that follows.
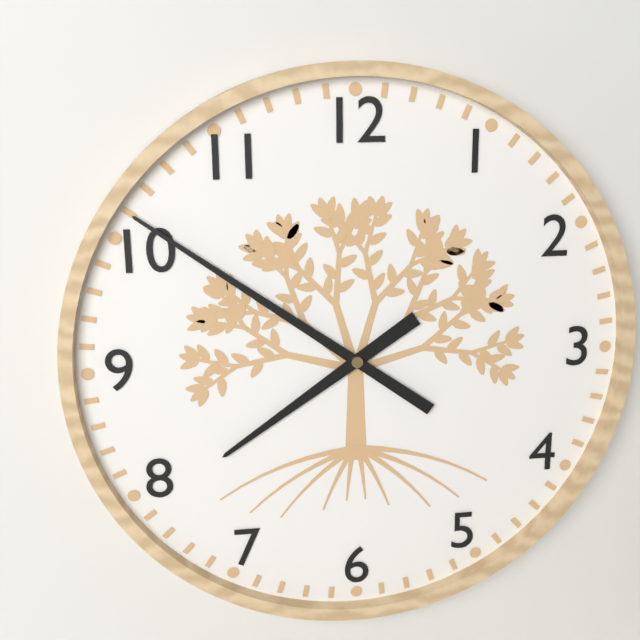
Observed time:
h=7 m=51
